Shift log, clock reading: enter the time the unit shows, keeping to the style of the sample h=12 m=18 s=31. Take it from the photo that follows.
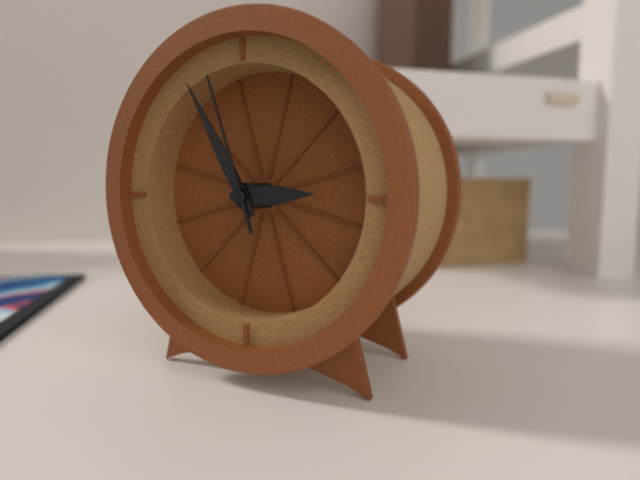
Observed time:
h=2 m=55 s=57
